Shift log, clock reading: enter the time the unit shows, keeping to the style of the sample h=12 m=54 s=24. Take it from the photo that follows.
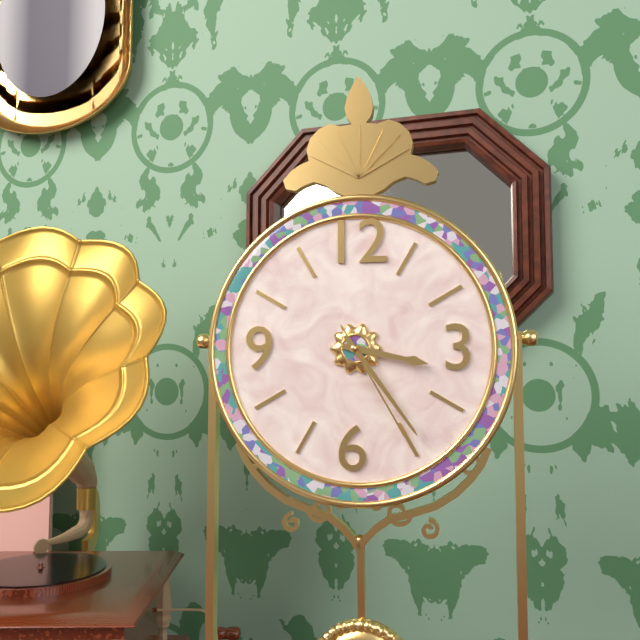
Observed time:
h=3 m=24 s=25
